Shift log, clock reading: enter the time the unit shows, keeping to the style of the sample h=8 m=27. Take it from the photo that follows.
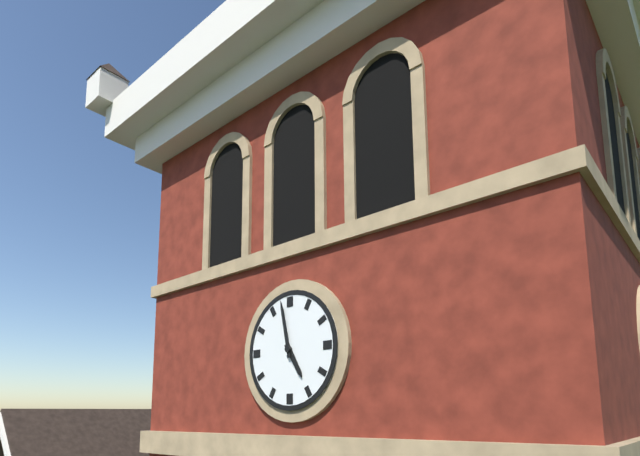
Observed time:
h=4 m=58
